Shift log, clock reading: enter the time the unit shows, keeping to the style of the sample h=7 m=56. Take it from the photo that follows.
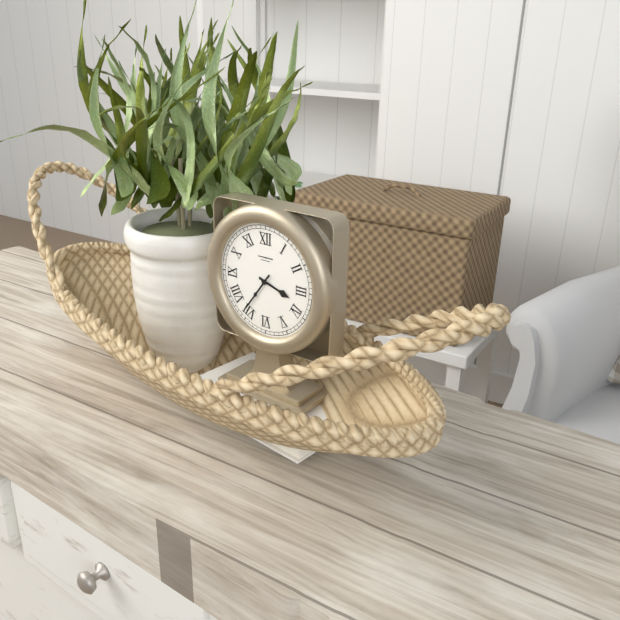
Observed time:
h=3 m=36
